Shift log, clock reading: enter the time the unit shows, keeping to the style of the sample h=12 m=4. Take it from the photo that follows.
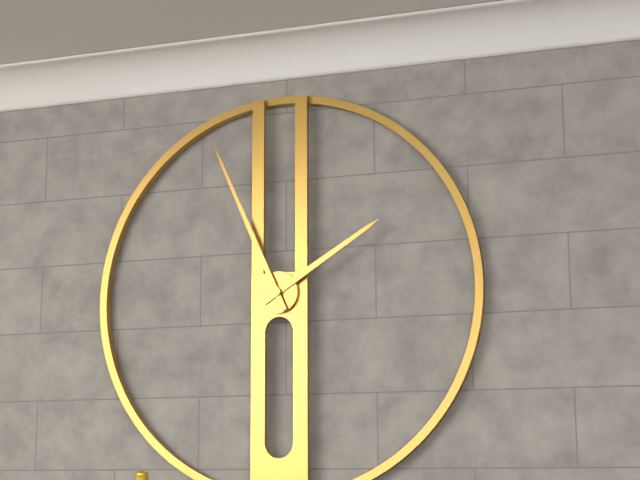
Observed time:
h=1 m=56
